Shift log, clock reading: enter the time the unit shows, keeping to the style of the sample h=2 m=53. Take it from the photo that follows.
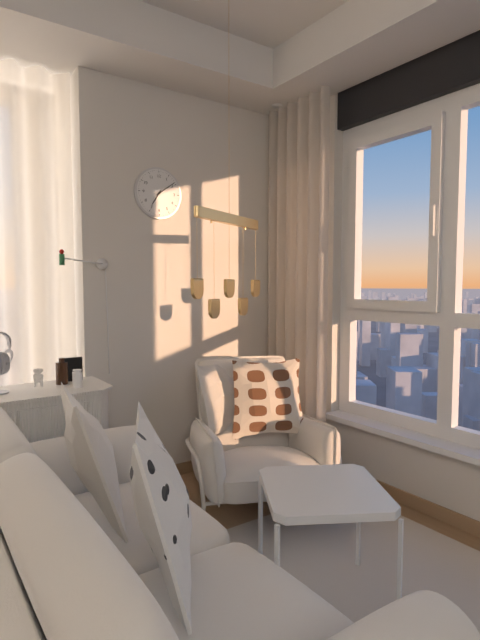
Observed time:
h=7 m=9
